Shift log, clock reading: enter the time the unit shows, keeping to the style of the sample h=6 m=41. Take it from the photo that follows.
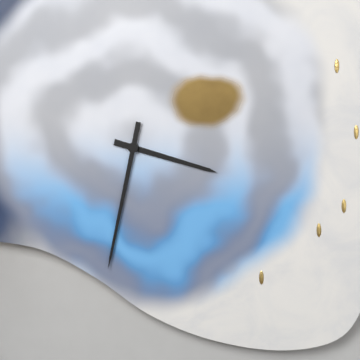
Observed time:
h=3 m=32
